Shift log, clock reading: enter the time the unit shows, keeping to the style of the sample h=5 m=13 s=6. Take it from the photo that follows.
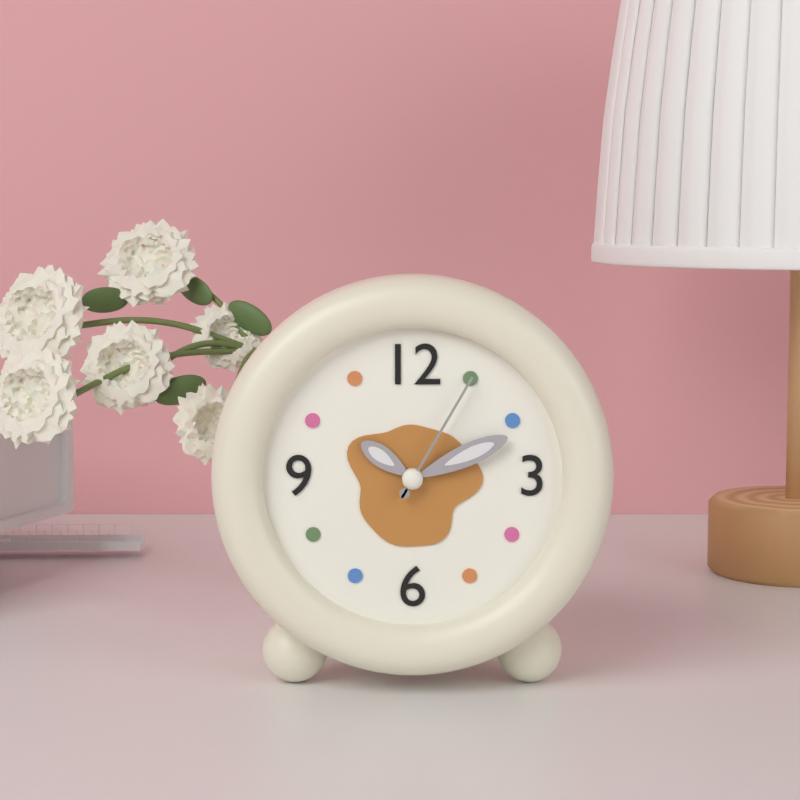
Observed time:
h=10 m=11 s=5
